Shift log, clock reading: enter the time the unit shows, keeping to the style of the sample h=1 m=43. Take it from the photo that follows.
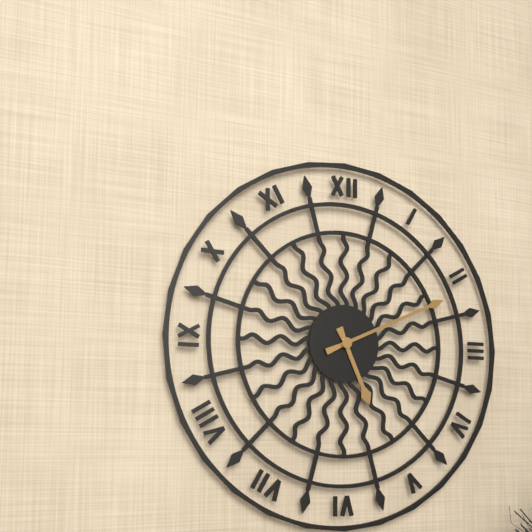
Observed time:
h=5 m=11
